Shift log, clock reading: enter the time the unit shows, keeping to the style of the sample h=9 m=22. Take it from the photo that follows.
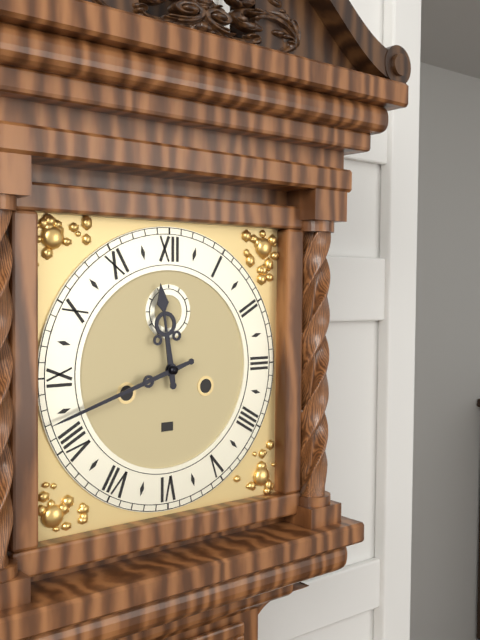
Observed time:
h=11 m=42
